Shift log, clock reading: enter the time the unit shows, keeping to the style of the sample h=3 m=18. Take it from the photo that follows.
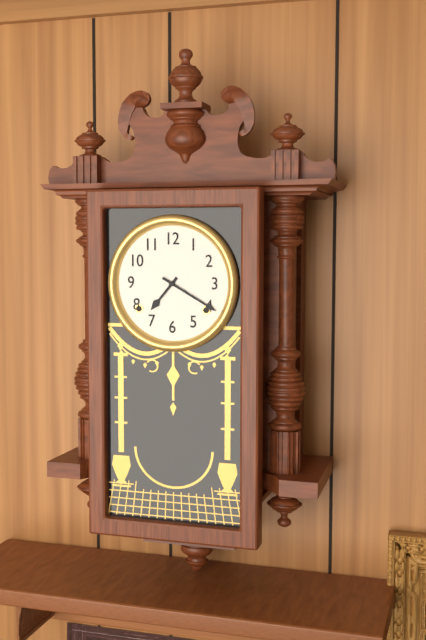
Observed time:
h=7 m=20
